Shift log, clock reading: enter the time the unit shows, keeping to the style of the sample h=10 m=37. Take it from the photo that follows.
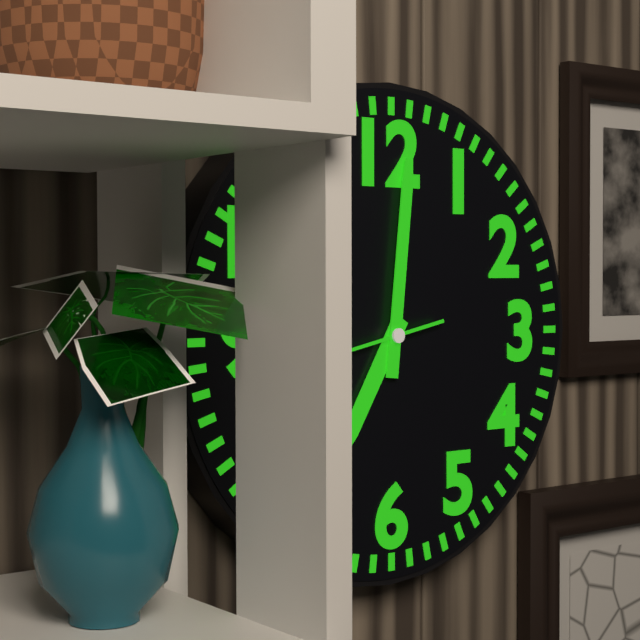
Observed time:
h=7 m=1
